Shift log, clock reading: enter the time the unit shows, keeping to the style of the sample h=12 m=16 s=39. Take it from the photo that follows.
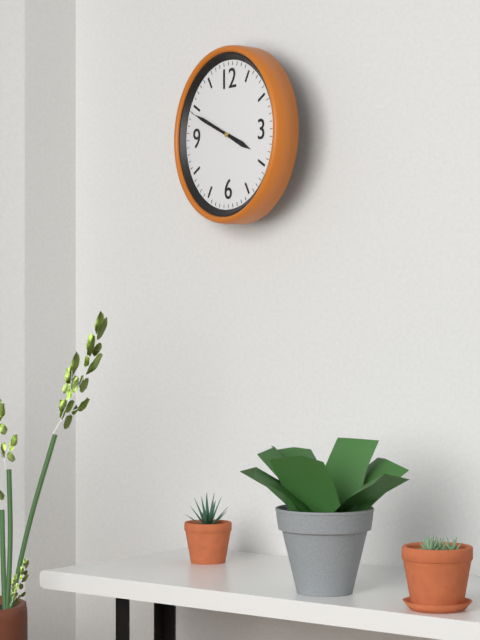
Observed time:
h=3 m=49 s=49
